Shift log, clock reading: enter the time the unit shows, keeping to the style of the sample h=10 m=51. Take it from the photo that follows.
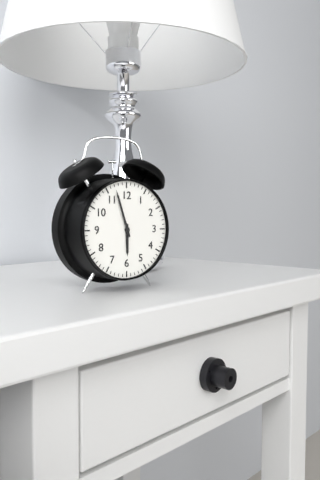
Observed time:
h=5 m=57
